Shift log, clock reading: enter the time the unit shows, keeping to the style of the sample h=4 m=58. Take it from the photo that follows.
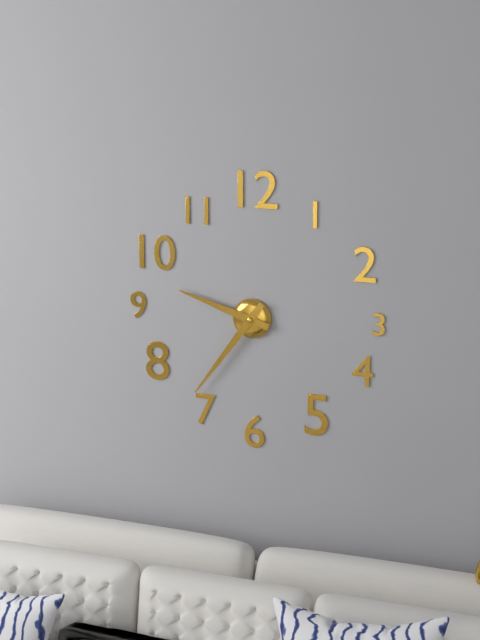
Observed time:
h=9 m=36
